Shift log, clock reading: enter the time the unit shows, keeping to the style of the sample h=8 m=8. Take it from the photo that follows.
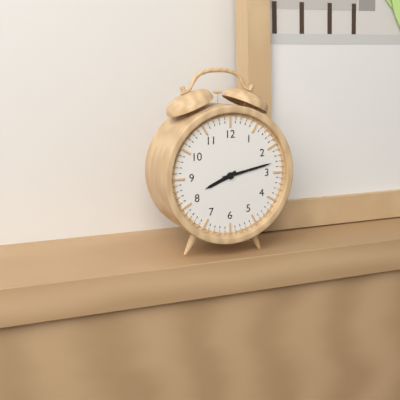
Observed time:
h=8 m=13
